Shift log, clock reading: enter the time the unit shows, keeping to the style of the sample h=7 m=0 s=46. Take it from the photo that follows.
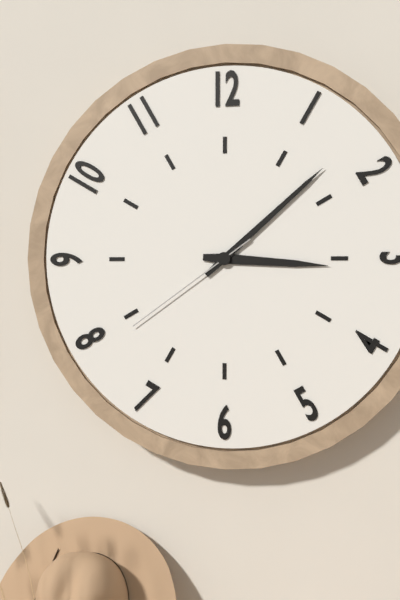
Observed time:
h=3 m=8 s=39
